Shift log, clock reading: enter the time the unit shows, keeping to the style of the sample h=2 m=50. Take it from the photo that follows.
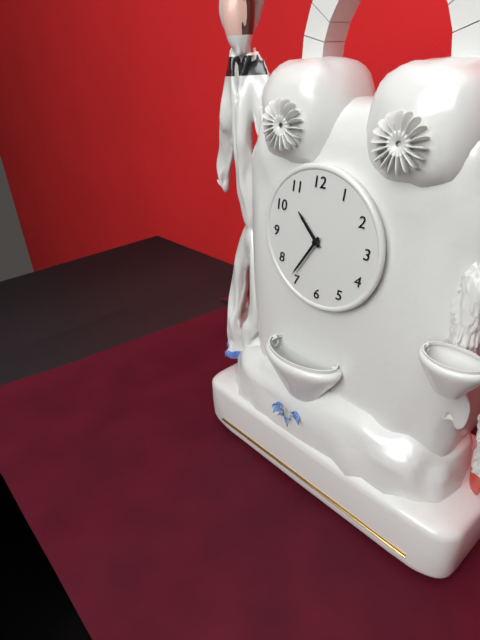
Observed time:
h=10 m=36
